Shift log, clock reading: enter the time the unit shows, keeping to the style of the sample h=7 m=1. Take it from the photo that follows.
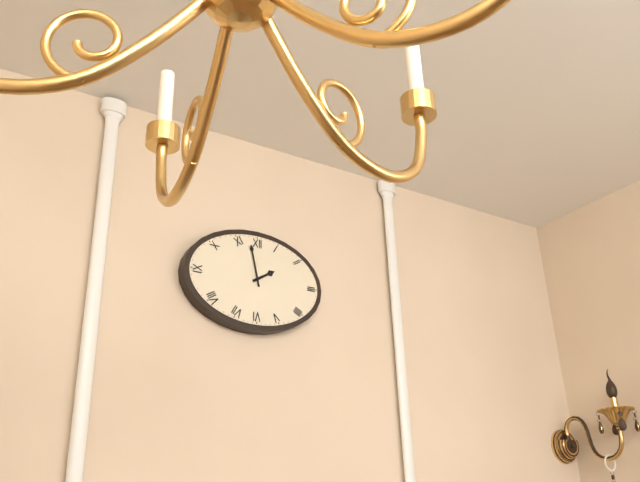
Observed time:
h=1 m=58
